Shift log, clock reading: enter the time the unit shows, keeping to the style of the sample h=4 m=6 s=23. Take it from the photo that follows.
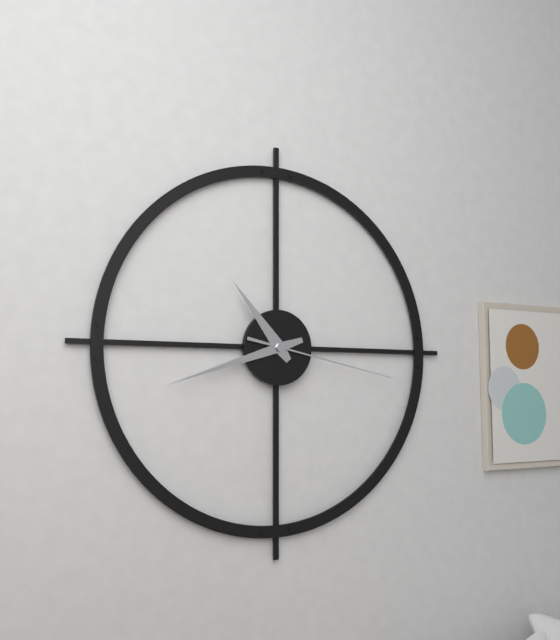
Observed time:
h=10 m=42 s=17
